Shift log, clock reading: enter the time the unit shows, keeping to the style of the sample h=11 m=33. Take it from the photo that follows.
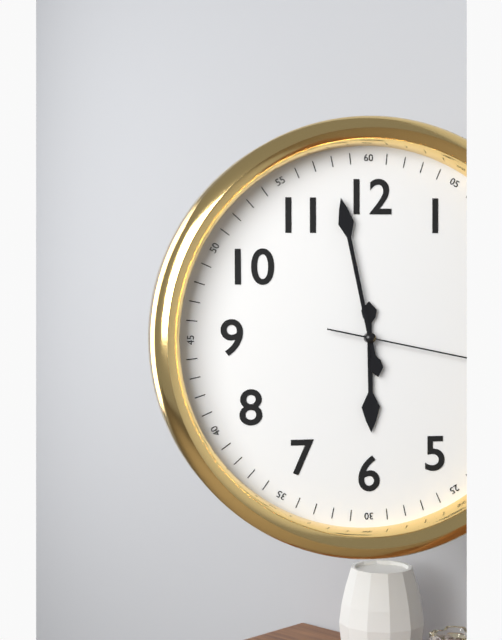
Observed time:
h=5 m=58
